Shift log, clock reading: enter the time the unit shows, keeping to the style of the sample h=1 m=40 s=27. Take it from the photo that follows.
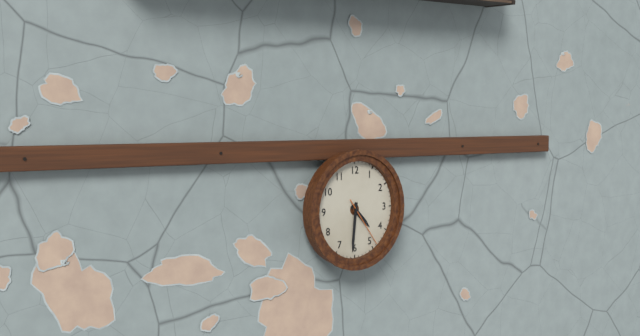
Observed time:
h=4 m=31 s=24
